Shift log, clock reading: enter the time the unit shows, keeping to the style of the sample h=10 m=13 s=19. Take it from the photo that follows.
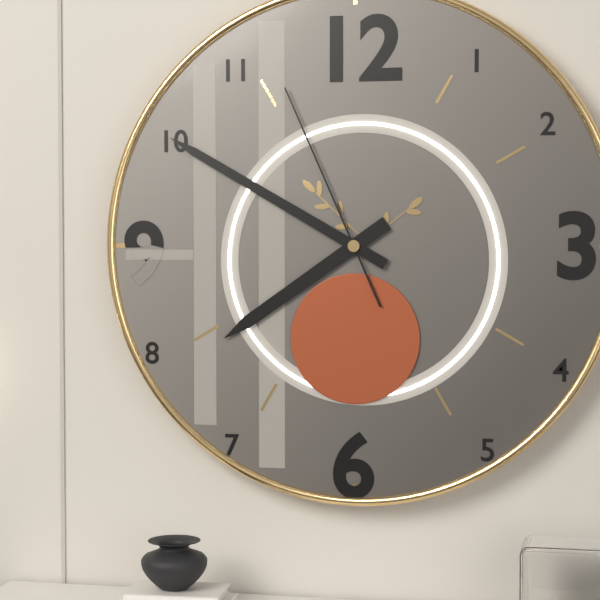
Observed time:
h=7 m=50 s=56
